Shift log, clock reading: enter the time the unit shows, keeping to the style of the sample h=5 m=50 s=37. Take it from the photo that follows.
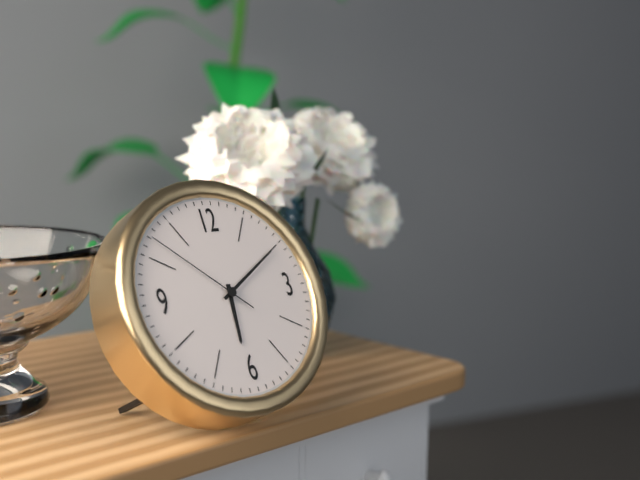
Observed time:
h=6 m=10 s=52
